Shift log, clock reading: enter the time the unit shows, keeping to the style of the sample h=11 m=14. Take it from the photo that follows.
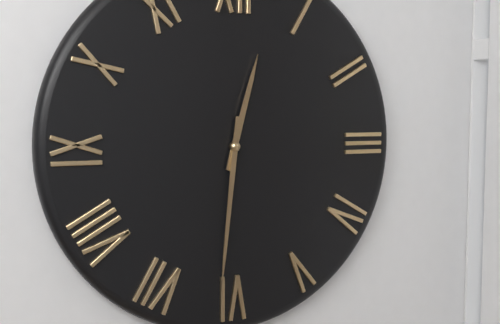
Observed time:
h=12 m=31
